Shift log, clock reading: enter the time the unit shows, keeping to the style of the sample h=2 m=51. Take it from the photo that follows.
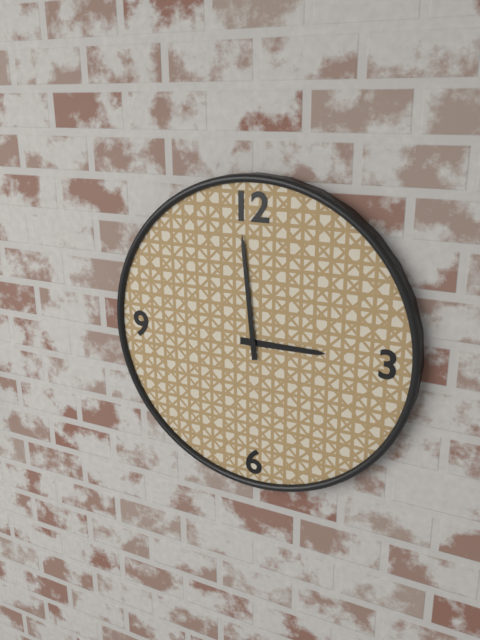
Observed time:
h=2 m=59
